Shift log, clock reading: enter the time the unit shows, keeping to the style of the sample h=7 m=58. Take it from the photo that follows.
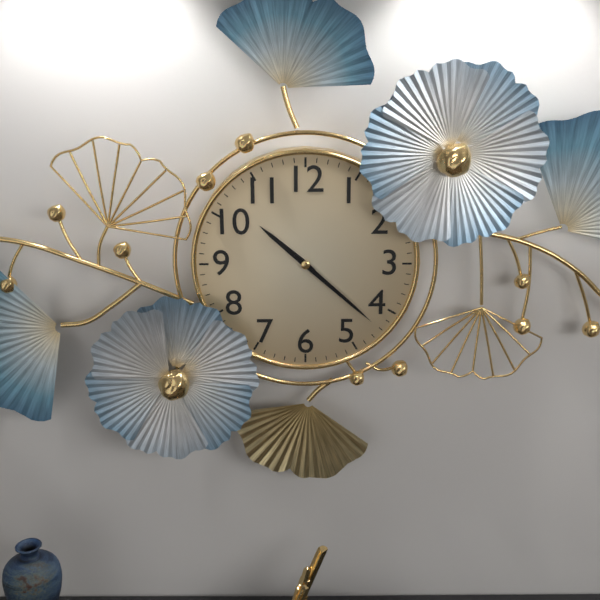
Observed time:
h=10 m=22
